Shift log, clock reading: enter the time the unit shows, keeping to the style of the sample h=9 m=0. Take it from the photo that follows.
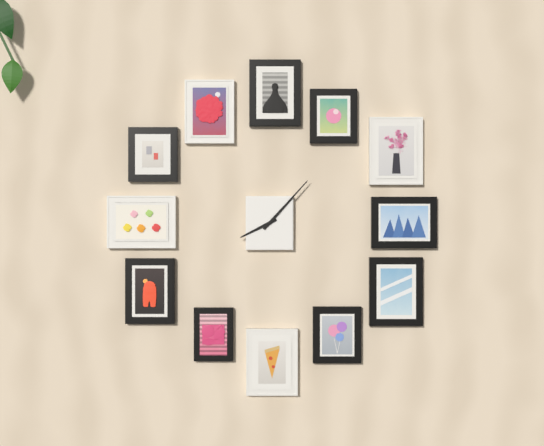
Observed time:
h=8 m=7
